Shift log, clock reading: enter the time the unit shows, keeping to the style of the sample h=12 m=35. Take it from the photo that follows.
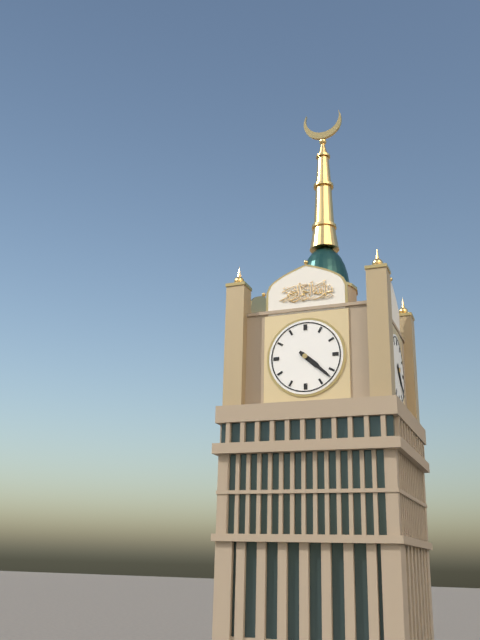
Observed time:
h=4 m=22
